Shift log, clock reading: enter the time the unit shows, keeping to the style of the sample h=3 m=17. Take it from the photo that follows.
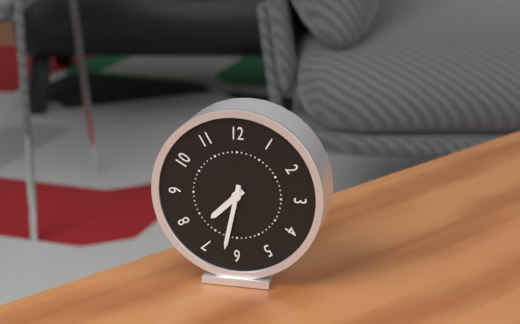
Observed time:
h=7 m=32
